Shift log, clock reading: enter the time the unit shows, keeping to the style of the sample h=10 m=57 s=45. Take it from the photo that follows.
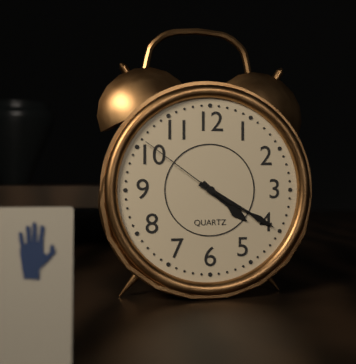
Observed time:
h=4 m=20 s=51
